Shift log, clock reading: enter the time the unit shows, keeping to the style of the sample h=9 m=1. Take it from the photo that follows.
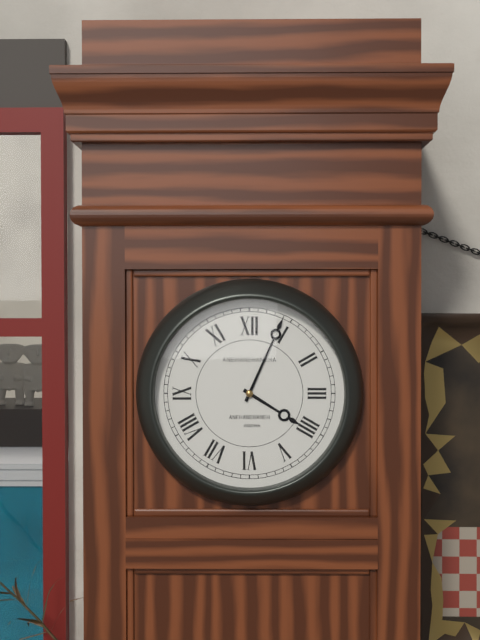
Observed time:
h=4 m=4
